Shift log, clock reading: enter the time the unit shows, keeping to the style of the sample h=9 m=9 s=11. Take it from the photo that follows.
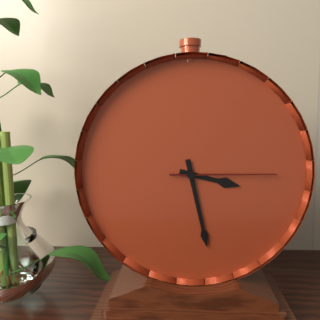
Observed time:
h=3 m=28 s=15
